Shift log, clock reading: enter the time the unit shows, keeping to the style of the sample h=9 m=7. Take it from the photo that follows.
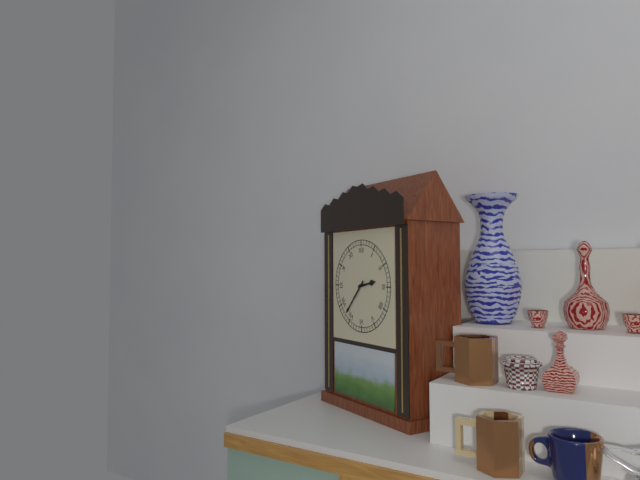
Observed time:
h=2 m=37
